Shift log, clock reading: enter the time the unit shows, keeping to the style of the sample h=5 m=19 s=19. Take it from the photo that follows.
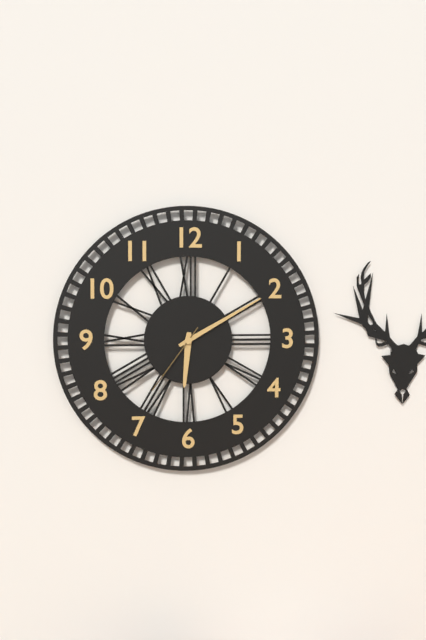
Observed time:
h=6 m=10 s=36
